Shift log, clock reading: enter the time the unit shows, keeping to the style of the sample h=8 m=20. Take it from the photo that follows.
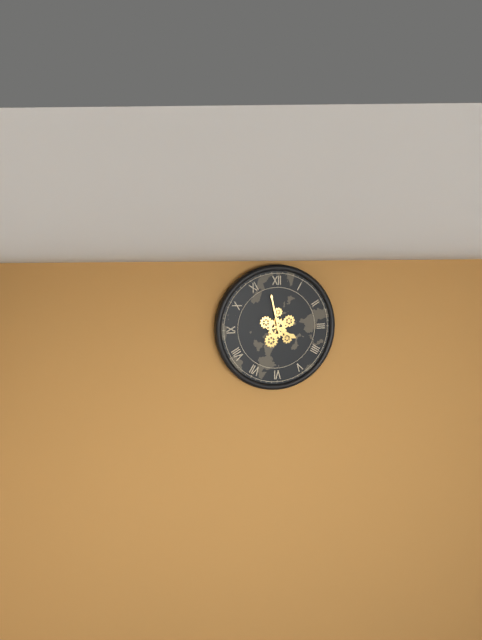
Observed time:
h=3 m=58
